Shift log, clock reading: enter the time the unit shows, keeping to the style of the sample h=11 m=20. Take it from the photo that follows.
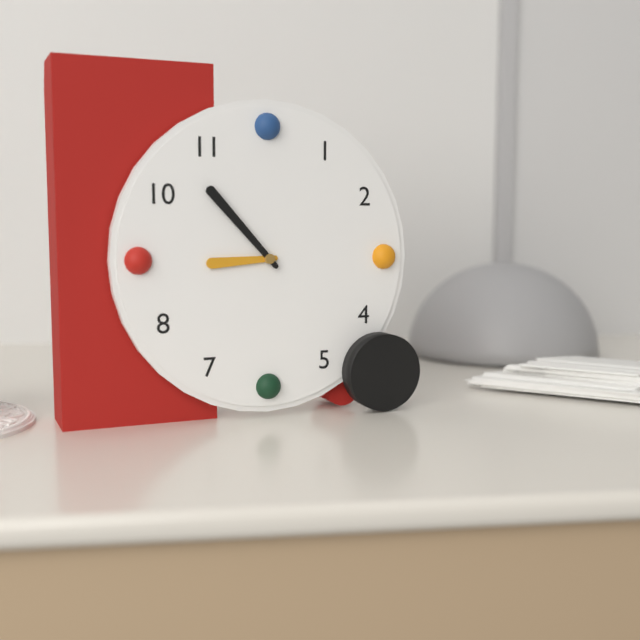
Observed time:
h=8 m=53
